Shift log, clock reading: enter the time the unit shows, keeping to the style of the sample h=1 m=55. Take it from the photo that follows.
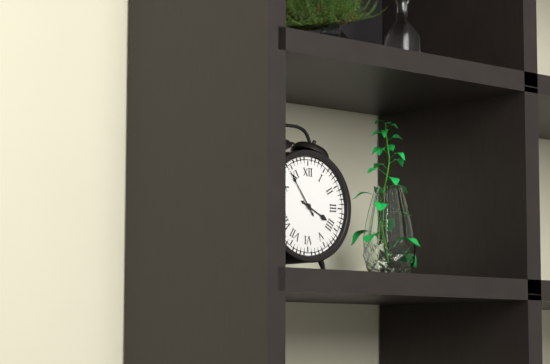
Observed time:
h=3 m=54
